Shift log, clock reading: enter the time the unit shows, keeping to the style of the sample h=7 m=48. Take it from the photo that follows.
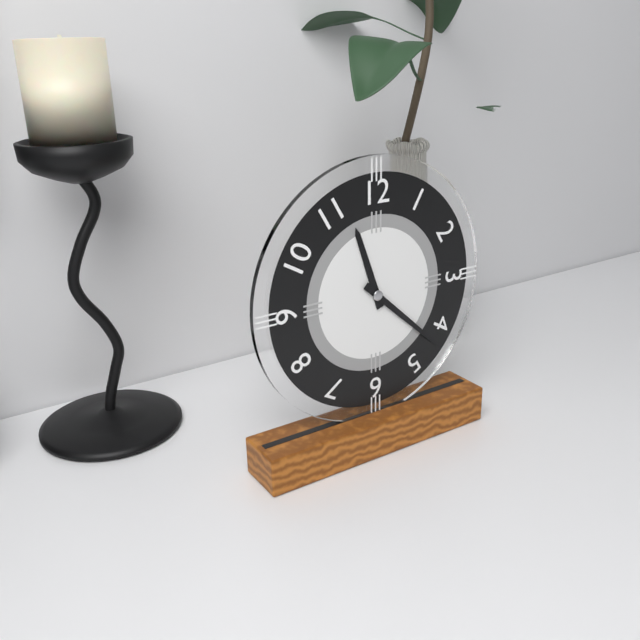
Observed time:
h=11 m=22
